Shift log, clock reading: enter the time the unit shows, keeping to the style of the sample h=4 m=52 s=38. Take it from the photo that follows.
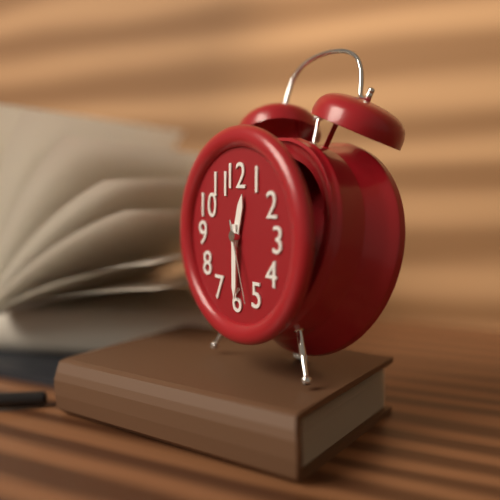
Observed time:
h=12 m=30 s=27
